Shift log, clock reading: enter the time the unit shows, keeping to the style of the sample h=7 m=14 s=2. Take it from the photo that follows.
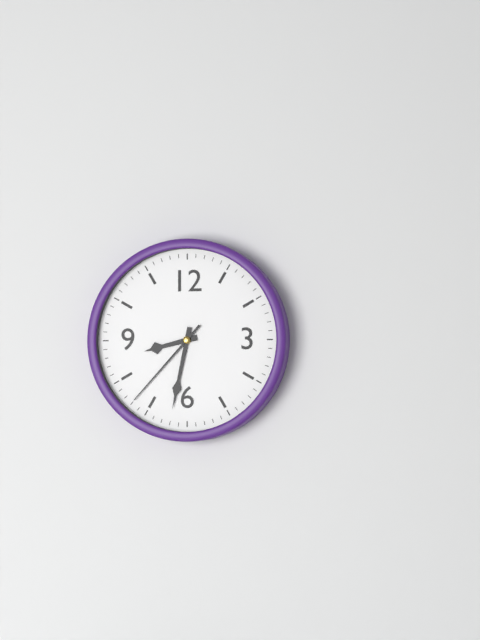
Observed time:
h=8 m=32 s=37
